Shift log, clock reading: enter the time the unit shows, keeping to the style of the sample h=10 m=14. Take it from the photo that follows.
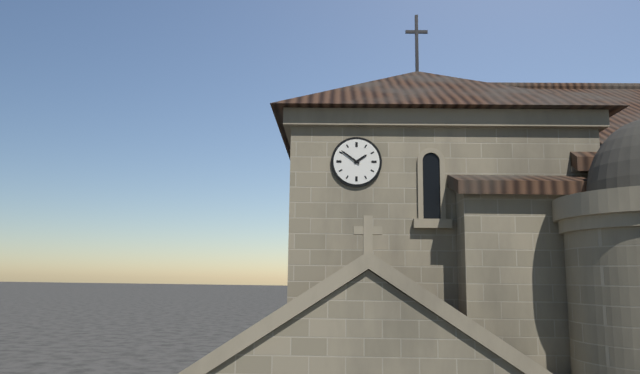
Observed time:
h=1 m=51
